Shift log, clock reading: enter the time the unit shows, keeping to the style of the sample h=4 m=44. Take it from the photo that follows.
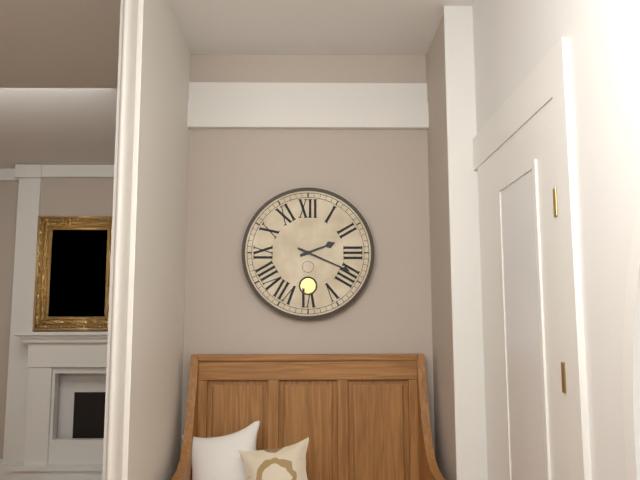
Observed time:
h=2 m=19
